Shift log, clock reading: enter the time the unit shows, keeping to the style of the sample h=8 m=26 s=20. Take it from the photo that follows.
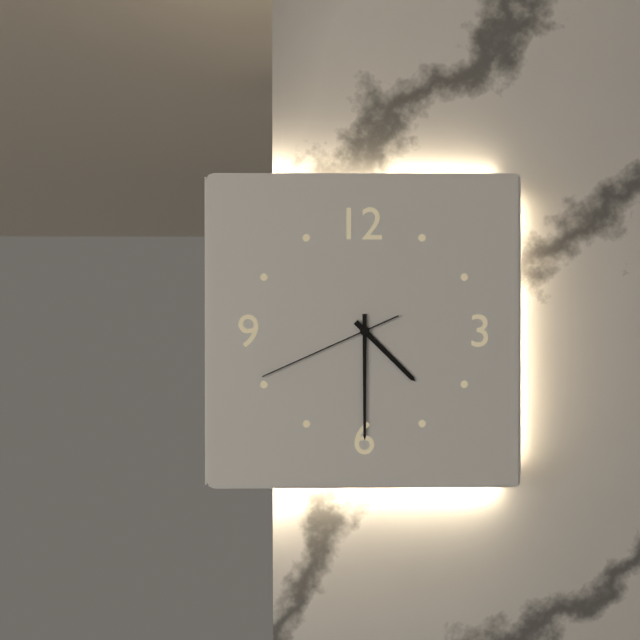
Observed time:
h=4 m=30 s=41
